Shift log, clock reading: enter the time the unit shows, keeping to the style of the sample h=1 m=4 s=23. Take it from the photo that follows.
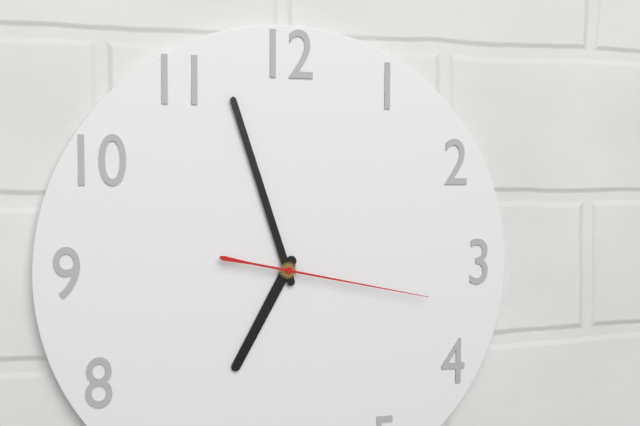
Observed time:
h=6 m=57 s=17
